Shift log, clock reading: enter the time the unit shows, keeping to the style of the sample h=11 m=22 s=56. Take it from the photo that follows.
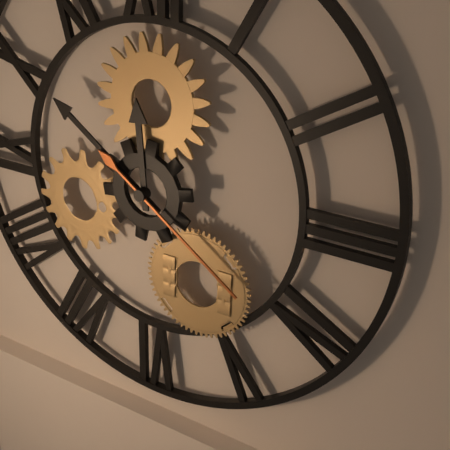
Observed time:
h=11 m=51 s=21
